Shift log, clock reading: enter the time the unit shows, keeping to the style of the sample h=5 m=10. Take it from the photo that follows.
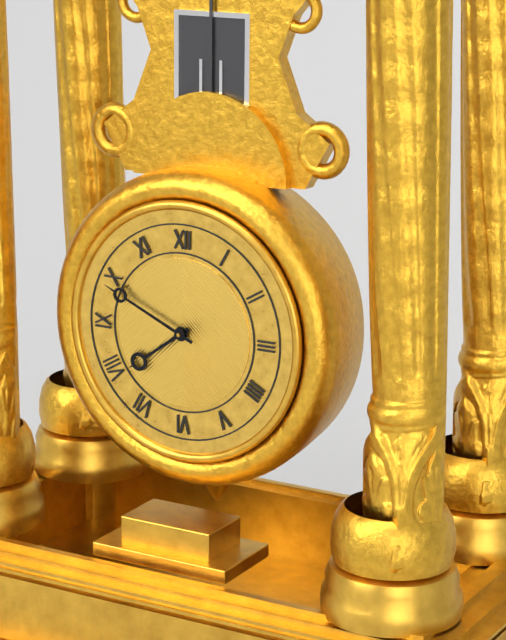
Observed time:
h=7 m=49
